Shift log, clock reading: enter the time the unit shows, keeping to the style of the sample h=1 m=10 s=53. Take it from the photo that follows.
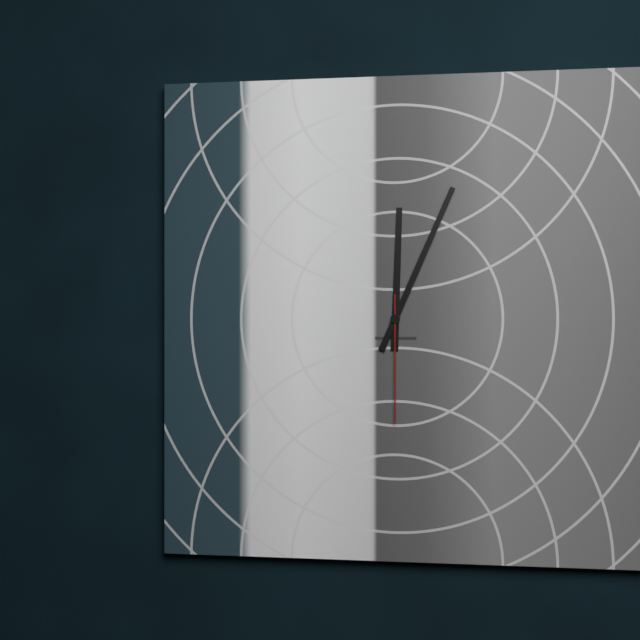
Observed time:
h=12 m=4 s=30
